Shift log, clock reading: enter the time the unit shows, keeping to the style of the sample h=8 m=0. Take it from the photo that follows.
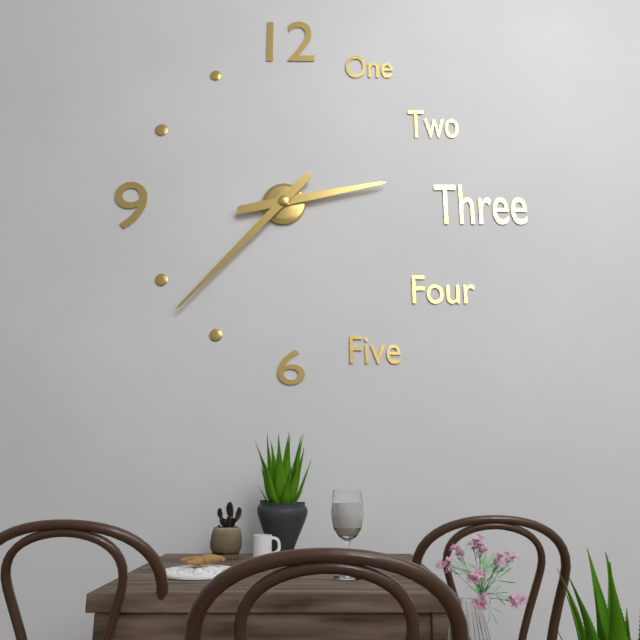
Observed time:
h=2 m=37
